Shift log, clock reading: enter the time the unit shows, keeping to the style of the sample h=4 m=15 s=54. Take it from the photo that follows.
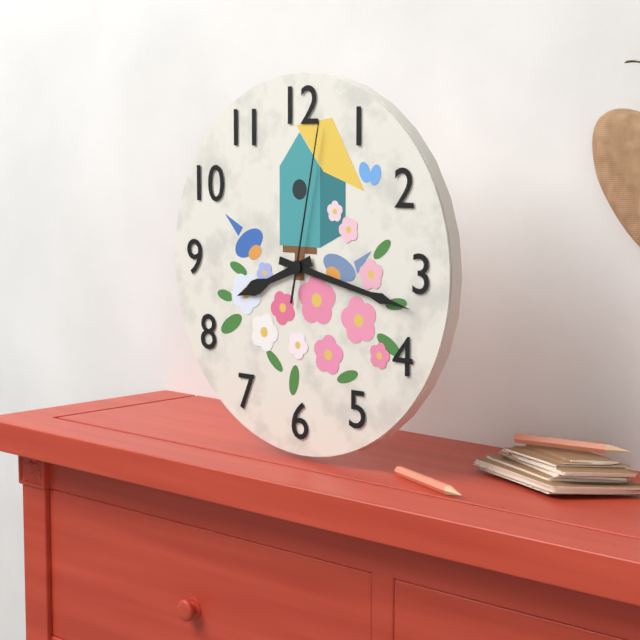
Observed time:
h=8 m=17 s=2
